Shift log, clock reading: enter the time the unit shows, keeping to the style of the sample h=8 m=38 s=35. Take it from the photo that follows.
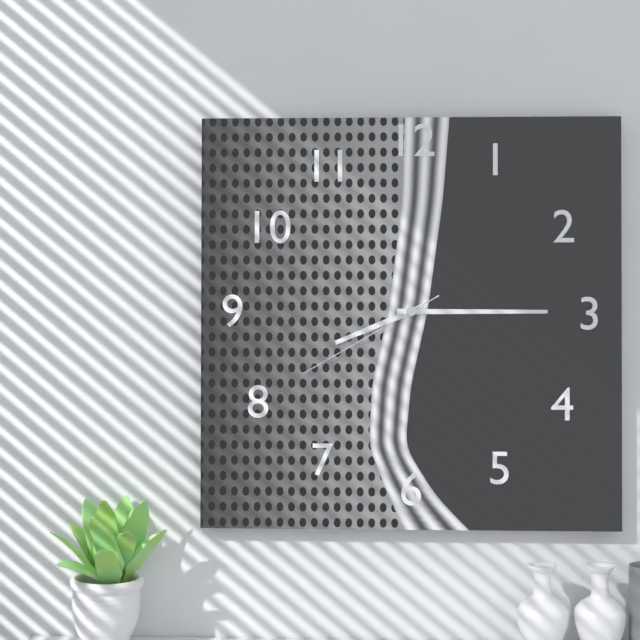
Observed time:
h=8 m=15 s=40
